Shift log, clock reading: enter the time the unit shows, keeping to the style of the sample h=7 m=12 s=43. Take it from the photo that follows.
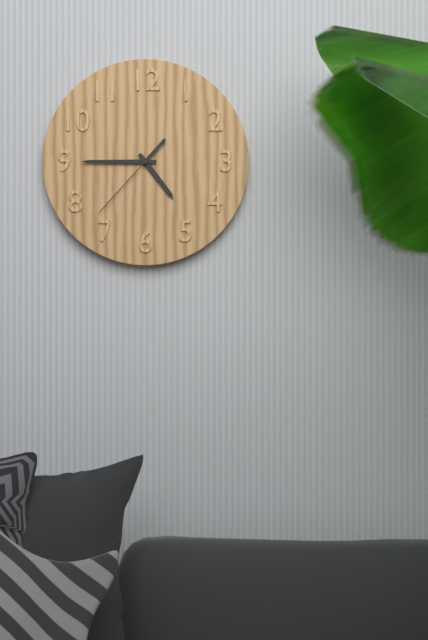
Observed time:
h=4 m=45 s=37
